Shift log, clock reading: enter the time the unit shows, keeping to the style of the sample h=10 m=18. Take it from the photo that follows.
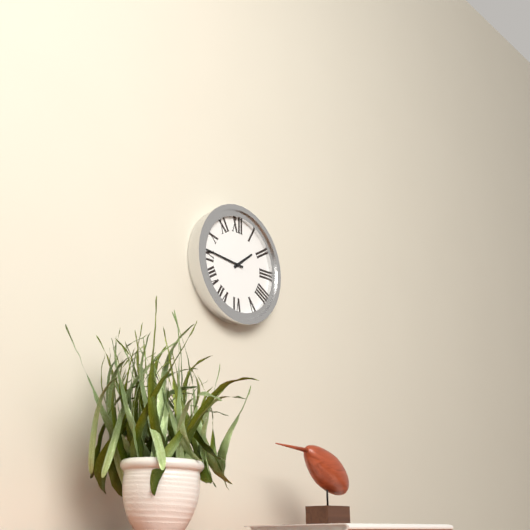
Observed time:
h=1 m=46
